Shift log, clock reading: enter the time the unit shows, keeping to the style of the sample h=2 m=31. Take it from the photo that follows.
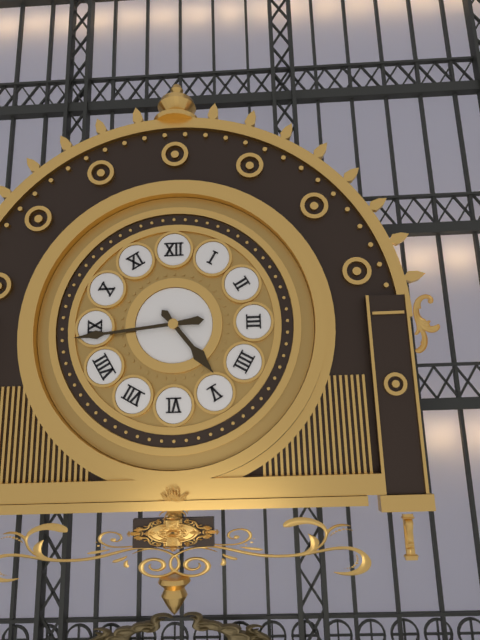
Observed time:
h=4 m=44
